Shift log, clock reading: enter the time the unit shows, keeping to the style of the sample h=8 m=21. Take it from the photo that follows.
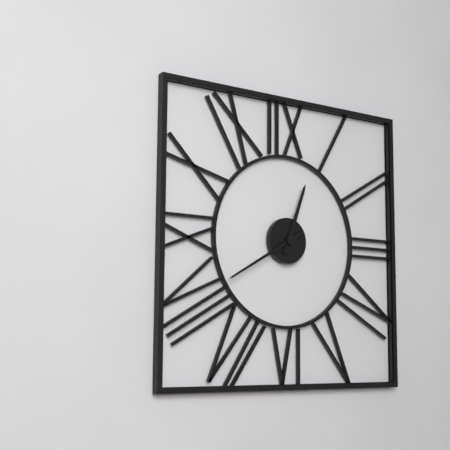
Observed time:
h=12 m=40
